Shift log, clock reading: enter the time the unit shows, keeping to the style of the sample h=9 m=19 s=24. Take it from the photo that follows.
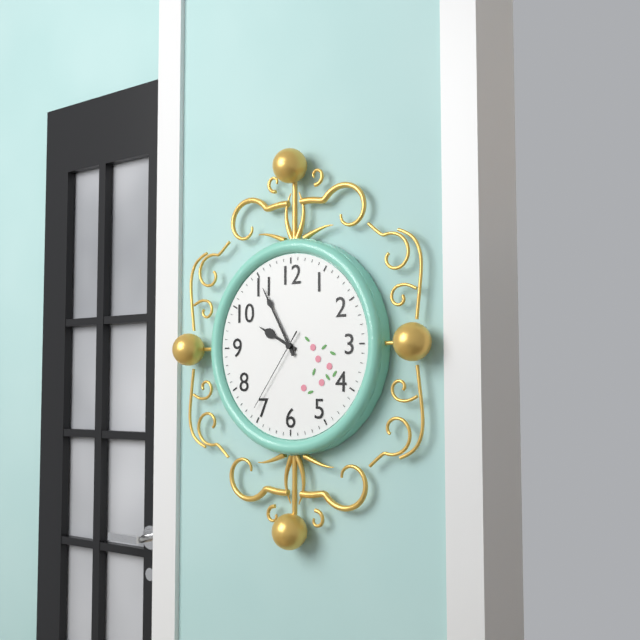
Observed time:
h=9 m=55 s=36
